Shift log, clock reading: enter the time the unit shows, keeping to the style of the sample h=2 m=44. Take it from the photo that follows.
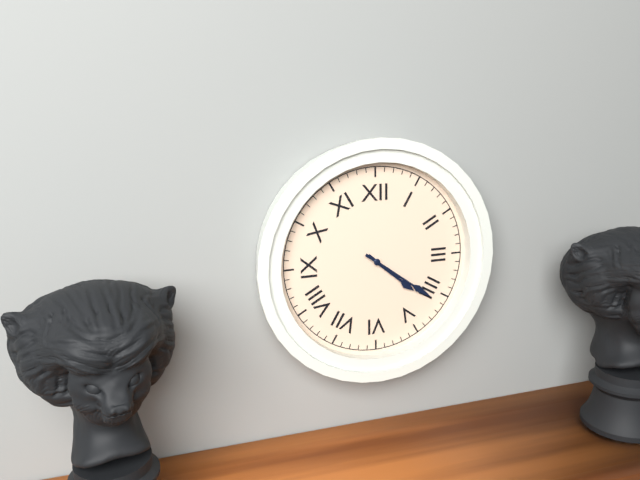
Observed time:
h=4 m=21
